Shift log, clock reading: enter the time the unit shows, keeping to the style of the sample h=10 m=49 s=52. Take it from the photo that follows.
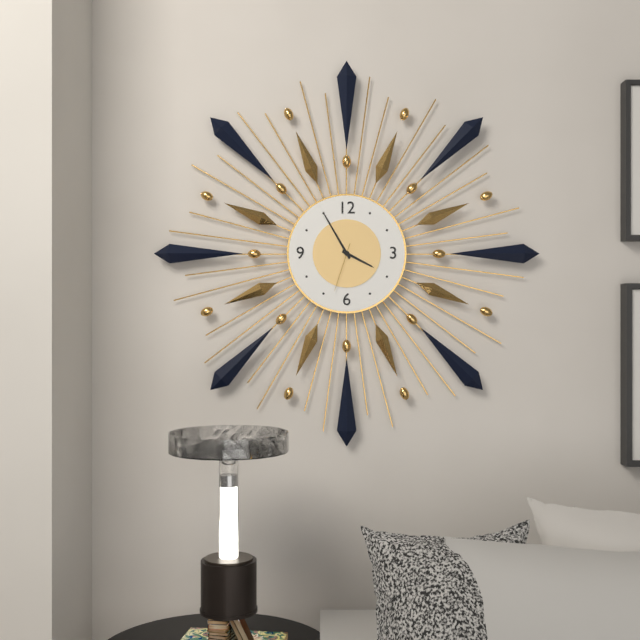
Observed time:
h=3 m=55 s=33
